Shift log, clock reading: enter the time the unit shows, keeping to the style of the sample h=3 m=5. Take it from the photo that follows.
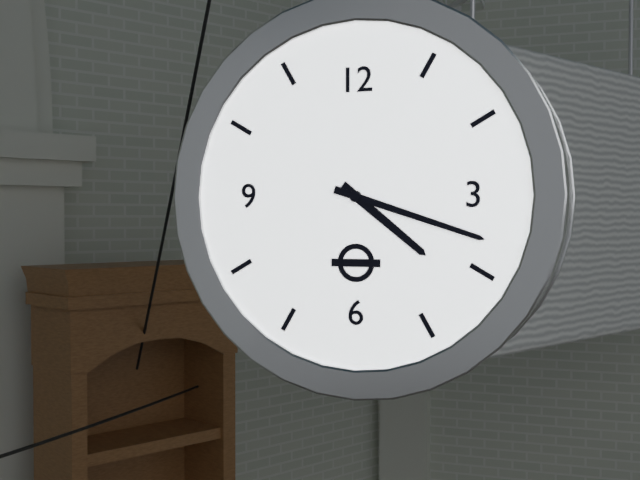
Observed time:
h=4 m=18
